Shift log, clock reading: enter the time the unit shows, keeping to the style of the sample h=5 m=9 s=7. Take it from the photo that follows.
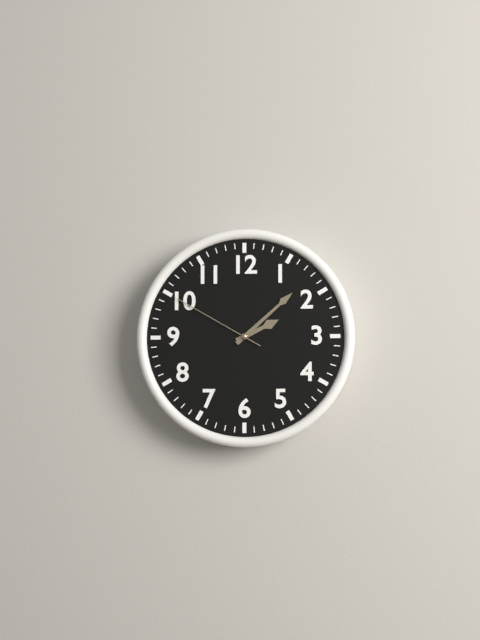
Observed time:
h=2 m=8 s=50
